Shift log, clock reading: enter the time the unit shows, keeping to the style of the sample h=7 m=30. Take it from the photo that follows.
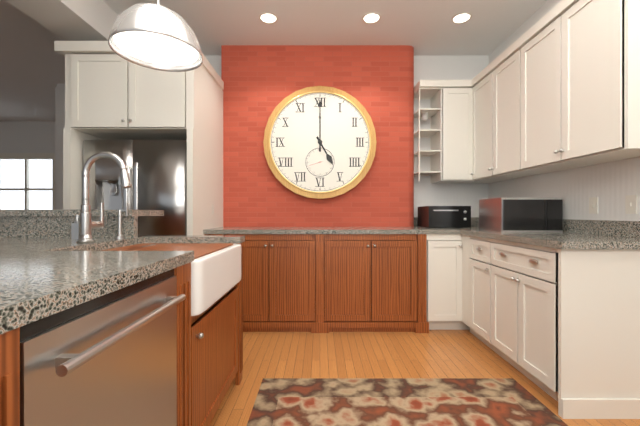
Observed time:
h=5 m=0
